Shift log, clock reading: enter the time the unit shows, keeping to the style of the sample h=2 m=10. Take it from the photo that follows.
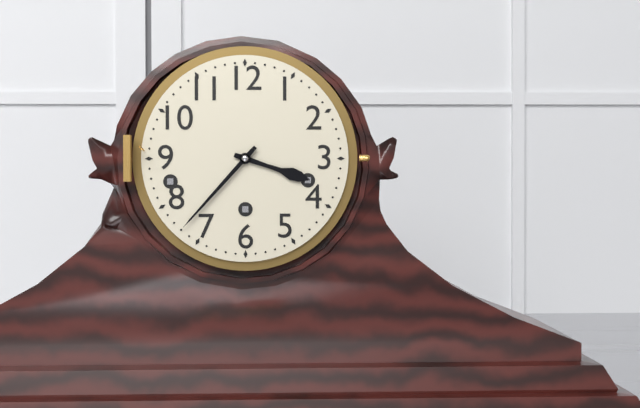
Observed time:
h=3 m=37
